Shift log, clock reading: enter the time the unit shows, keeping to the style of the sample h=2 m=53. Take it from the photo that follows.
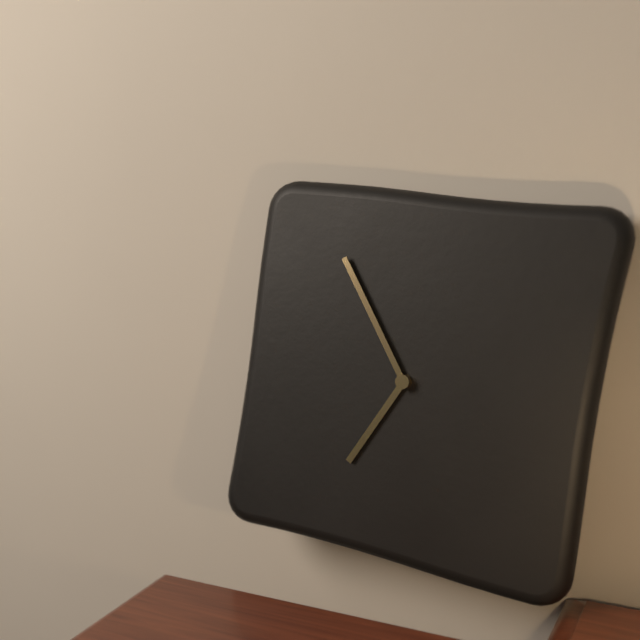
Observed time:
h=6 m=54
